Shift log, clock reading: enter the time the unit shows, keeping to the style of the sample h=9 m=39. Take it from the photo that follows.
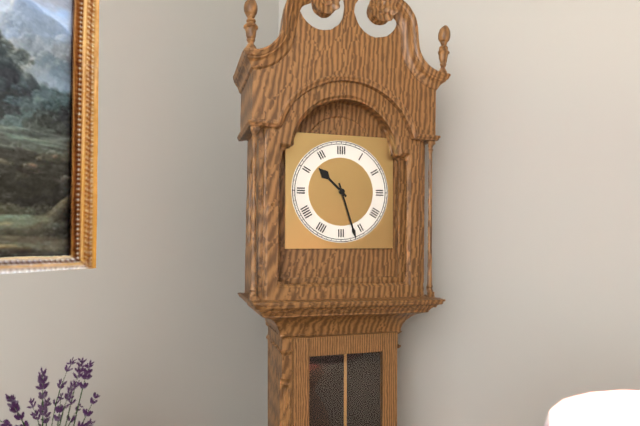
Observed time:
h=10 m=27
